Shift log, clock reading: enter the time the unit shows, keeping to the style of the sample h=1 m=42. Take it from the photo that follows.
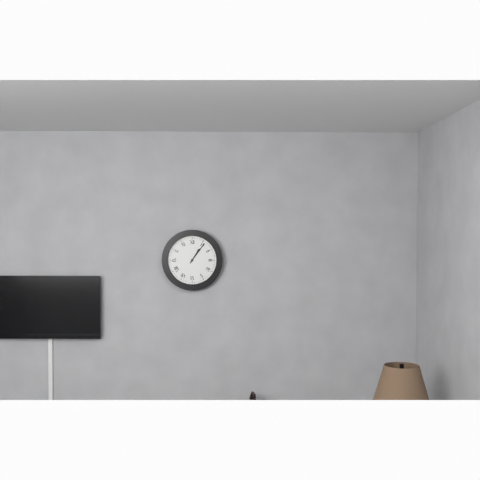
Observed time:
h=1 m=6
